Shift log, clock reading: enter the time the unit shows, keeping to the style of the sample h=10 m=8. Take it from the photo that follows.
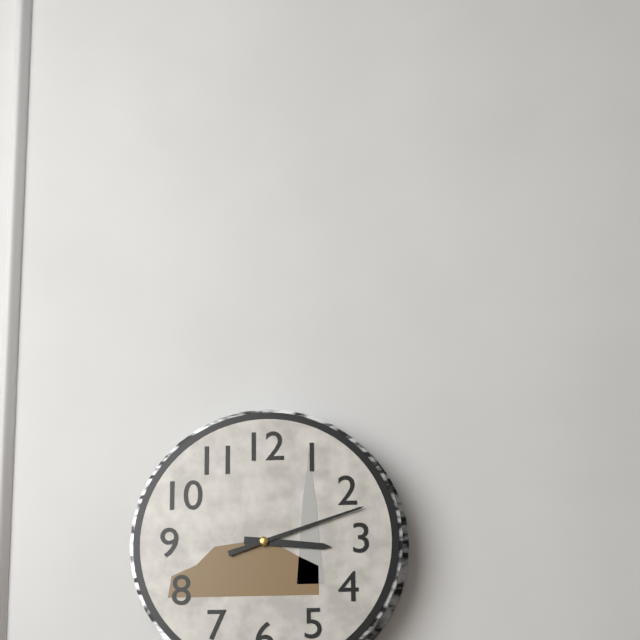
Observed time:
h=3 m=12
